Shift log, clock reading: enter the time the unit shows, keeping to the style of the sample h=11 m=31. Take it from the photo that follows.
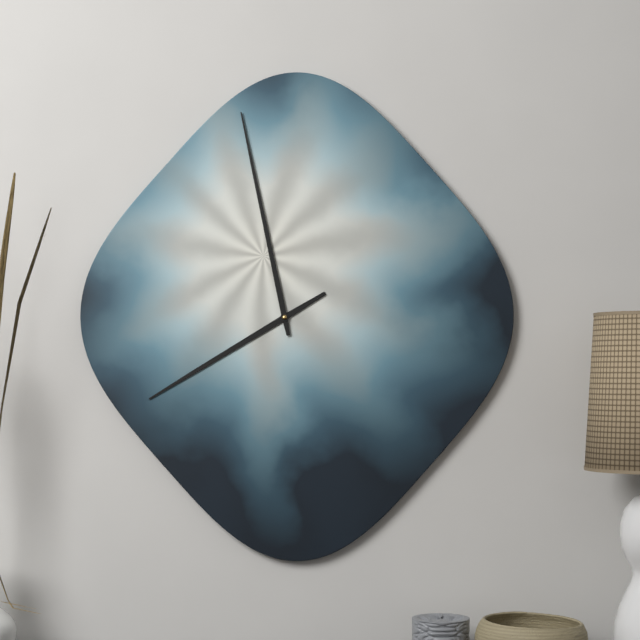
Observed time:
h=7 m=58
